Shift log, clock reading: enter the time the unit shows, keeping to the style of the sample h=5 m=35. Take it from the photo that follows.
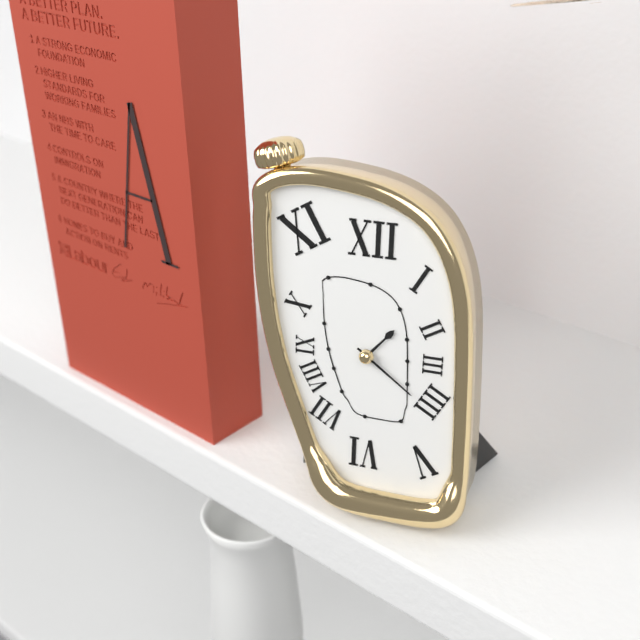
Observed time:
h=1 m=21
